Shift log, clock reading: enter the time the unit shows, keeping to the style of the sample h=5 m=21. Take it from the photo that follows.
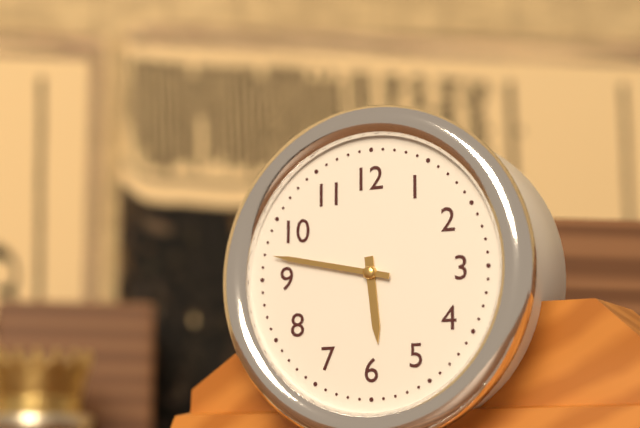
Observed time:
h=5 m=47
